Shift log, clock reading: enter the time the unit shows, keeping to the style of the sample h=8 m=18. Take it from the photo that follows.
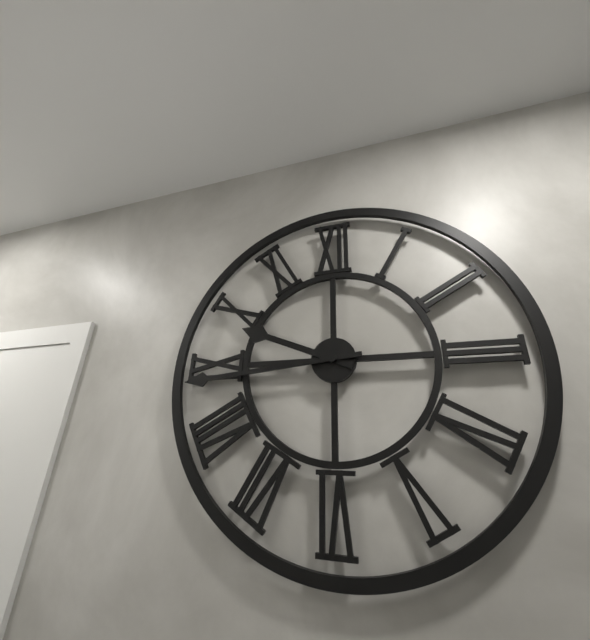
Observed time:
h=9 m=44
